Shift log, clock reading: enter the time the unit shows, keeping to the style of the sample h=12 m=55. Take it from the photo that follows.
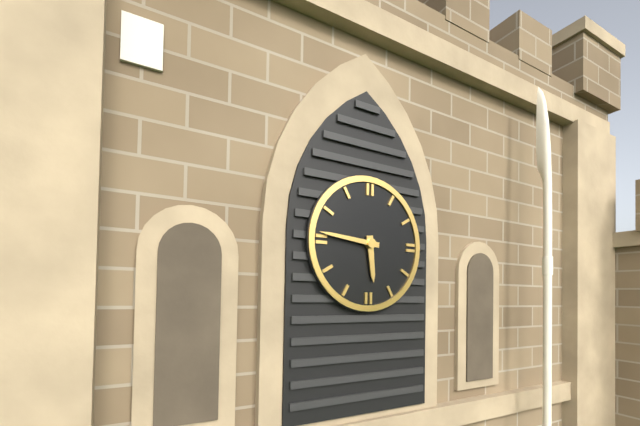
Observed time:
h=5 m=46
